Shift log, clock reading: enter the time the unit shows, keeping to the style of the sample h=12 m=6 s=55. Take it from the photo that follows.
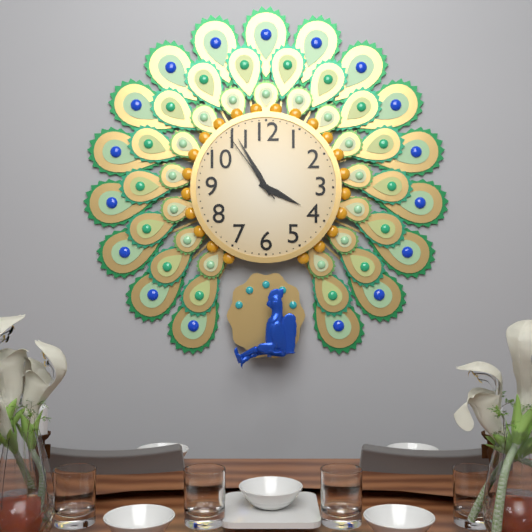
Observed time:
h=3 m=55 s=54
